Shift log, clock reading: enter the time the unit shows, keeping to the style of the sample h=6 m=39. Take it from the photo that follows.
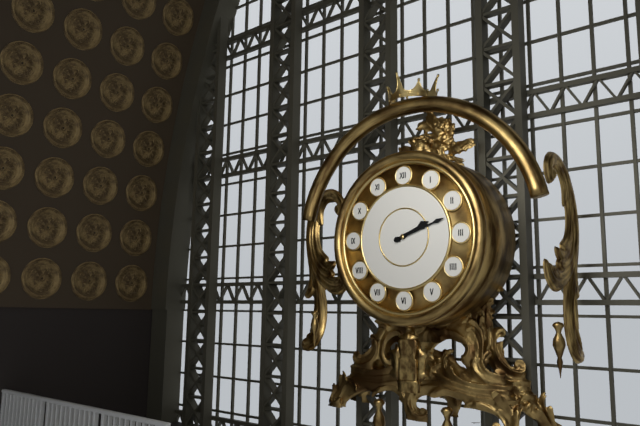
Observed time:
h=2 m=12
